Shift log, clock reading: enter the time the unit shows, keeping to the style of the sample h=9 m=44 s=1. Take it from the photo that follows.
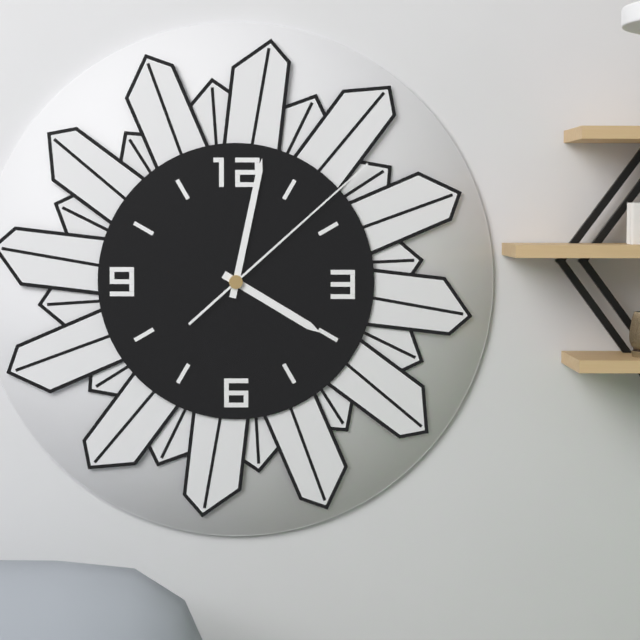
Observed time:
h=4 m=2 s=8
